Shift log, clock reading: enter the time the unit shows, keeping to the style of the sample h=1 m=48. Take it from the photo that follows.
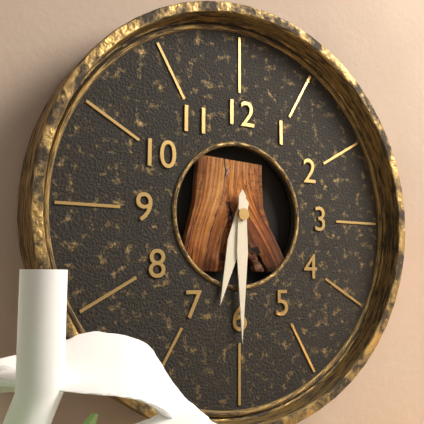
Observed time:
h=6 m=30
